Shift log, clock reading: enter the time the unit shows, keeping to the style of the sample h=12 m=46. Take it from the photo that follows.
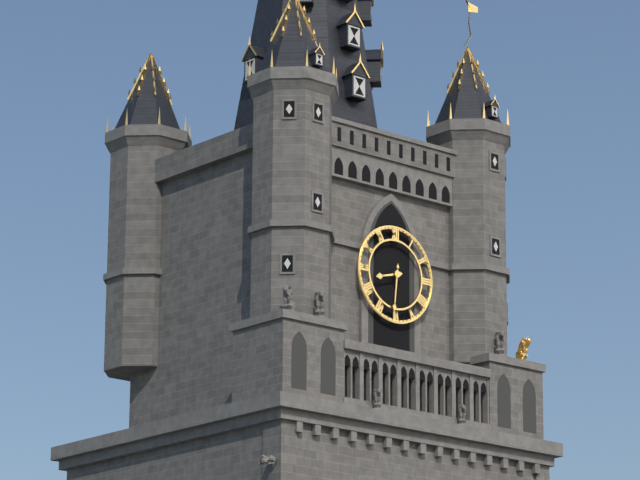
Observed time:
h=8 m=31
